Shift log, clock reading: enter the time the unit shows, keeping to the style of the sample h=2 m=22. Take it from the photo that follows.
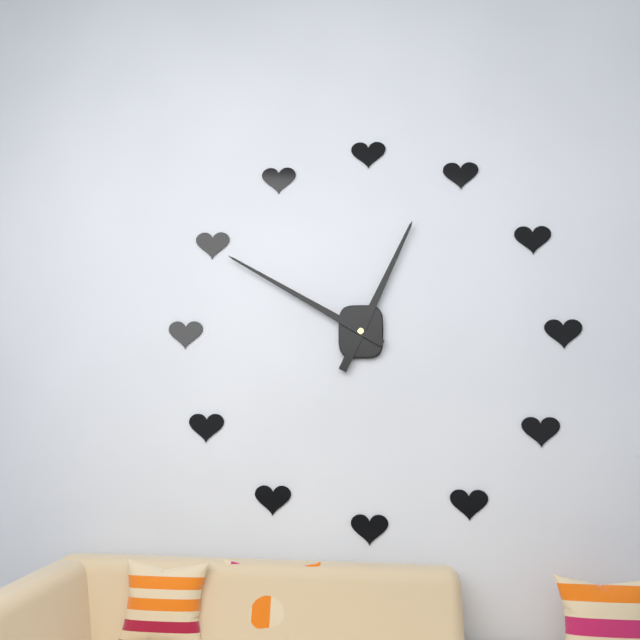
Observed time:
h=12 m=50
